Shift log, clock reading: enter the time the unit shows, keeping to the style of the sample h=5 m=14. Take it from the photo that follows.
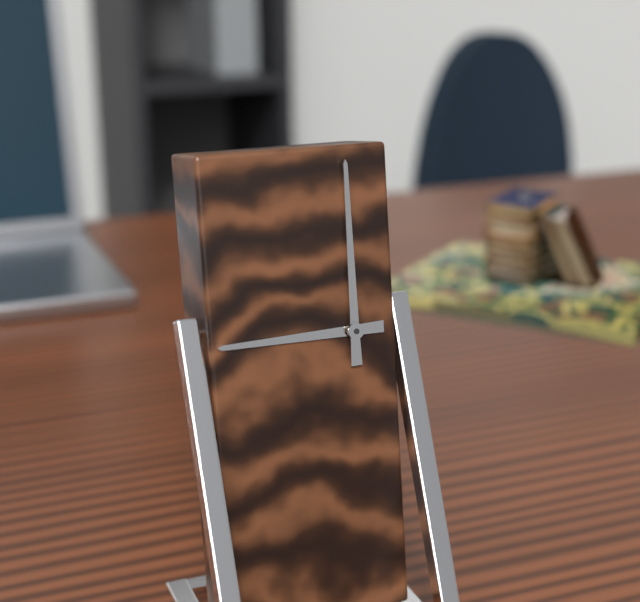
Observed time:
h=9 m=0
